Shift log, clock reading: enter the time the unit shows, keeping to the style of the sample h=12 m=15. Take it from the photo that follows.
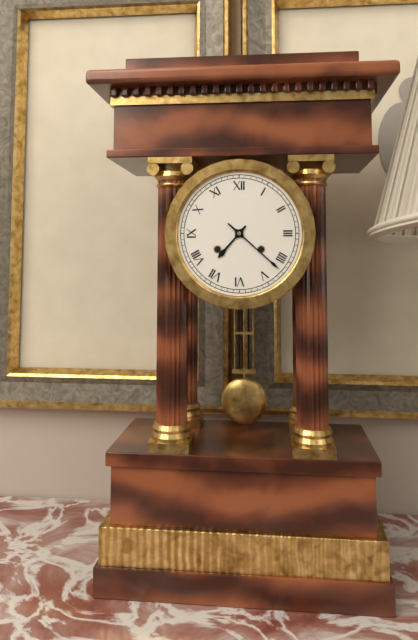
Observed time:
h=7 m=22
